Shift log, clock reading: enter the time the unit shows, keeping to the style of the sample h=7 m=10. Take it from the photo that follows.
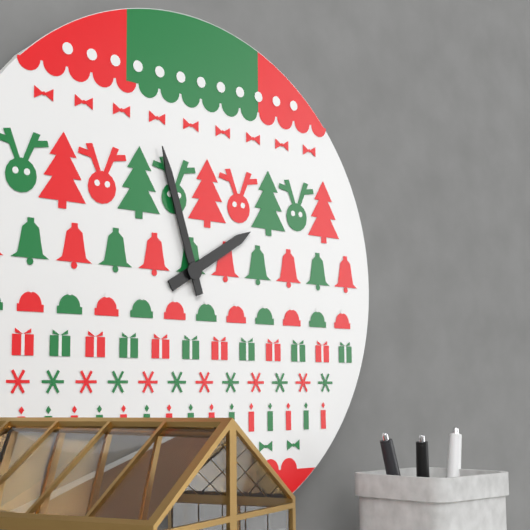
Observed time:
h=1 m=57
